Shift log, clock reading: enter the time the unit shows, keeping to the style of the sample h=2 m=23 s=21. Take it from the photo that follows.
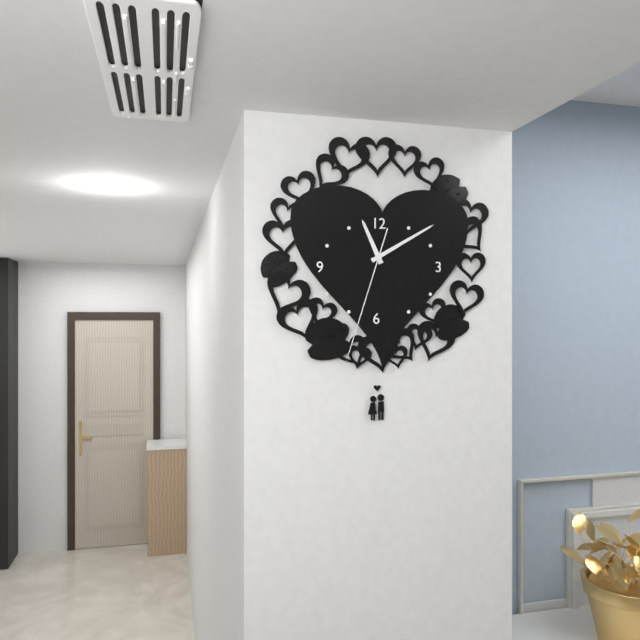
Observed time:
h=11 m=10 s=33
